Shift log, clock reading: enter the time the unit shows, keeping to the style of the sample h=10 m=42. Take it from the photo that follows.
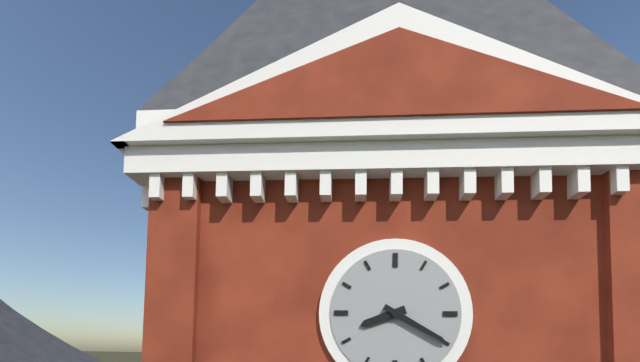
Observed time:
h=8 m=20
